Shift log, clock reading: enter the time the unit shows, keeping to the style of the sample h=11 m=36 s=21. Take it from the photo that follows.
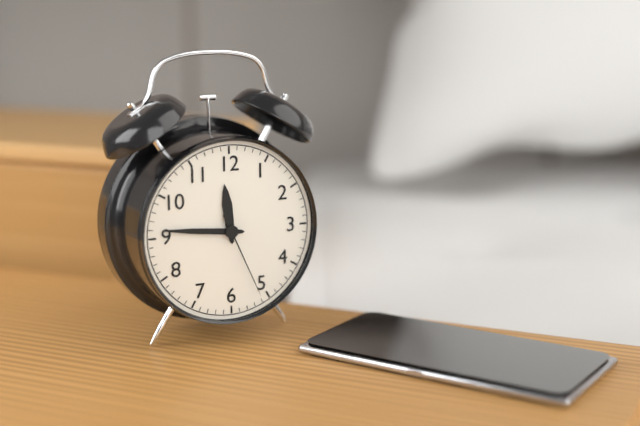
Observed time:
h=11 m=46 s=26
